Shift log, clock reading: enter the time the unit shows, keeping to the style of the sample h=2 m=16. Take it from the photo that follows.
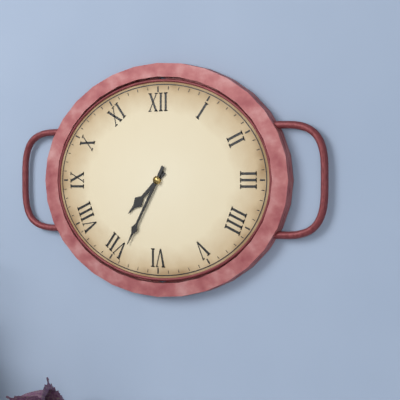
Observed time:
h=7 m=35
